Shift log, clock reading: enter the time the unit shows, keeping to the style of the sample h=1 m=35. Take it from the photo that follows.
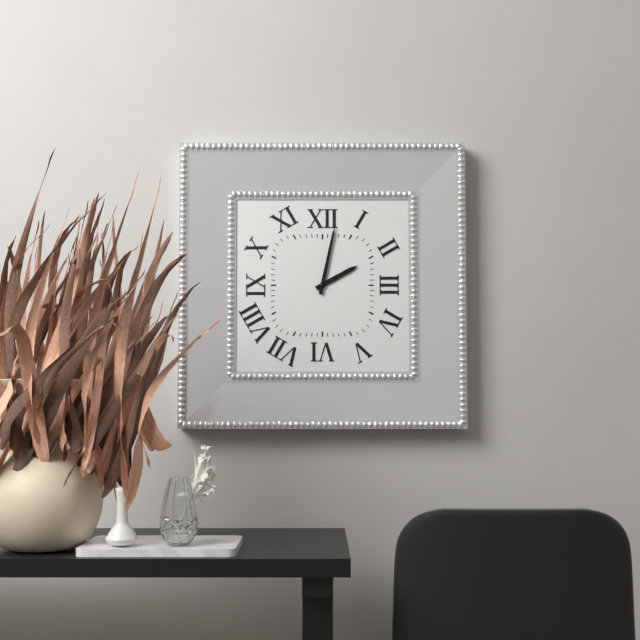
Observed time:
h=2 m=2
